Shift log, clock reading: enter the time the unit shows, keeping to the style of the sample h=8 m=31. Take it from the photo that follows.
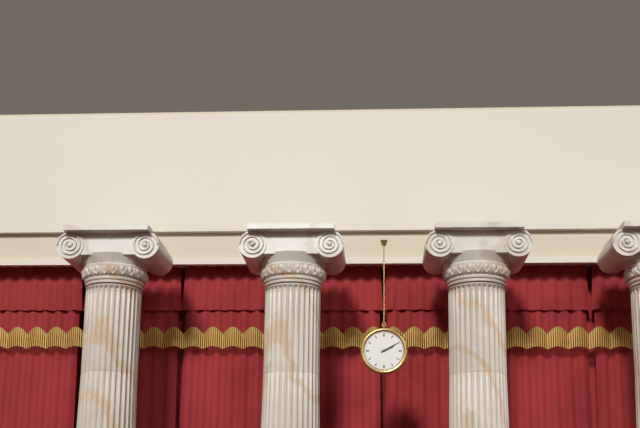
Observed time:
h=2 m=10
